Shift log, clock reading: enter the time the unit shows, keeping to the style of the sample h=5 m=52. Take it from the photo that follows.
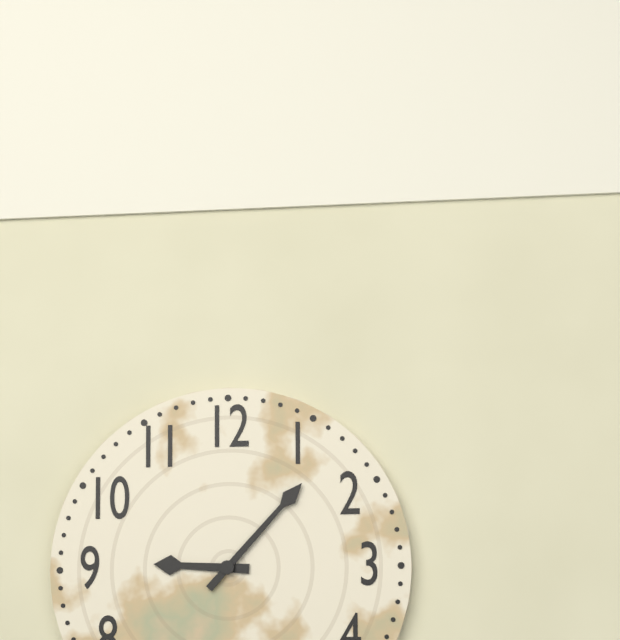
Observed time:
h=9 m=7
